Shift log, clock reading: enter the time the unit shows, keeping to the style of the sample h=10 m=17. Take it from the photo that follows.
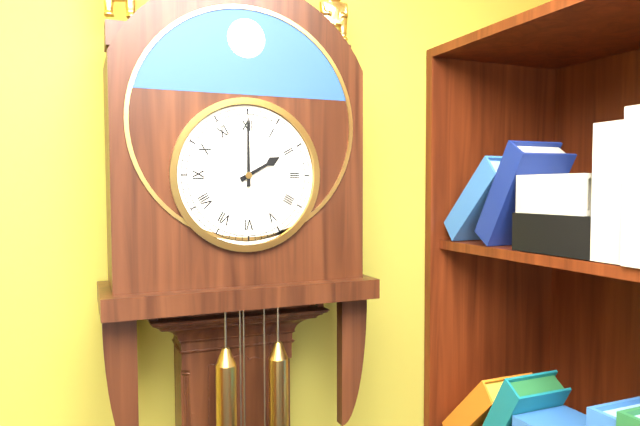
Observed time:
h=2 m=0
